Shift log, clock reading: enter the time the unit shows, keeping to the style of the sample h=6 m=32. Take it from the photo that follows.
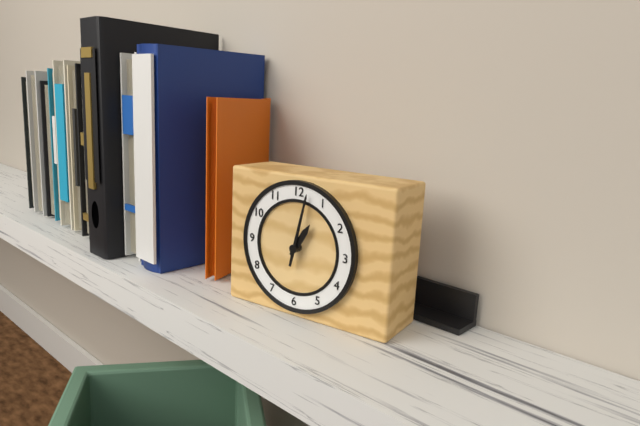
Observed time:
h=1 m=2
